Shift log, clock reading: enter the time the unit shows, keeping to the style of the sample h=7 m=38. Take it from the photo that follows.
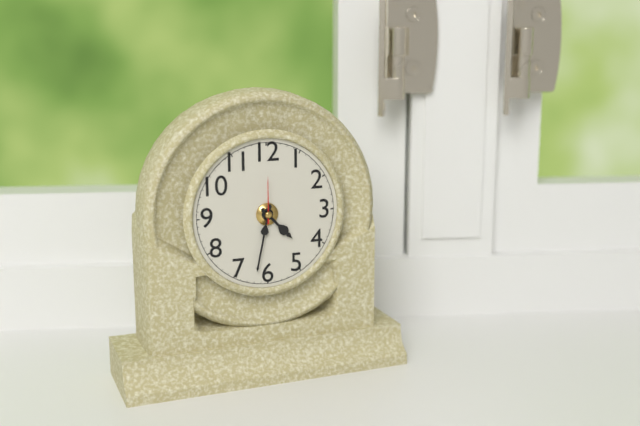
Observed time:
h=4 m=32
